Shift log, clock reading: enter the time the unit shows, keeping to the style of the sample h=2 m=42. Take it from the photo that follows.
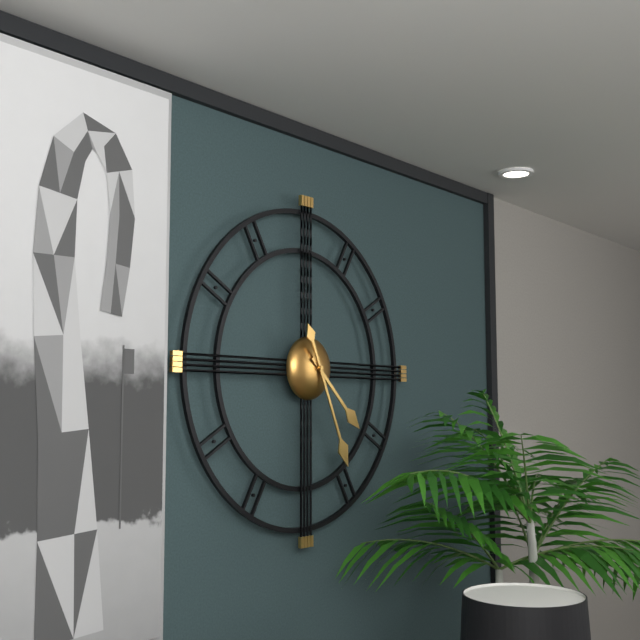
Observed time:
h=4 m=26
